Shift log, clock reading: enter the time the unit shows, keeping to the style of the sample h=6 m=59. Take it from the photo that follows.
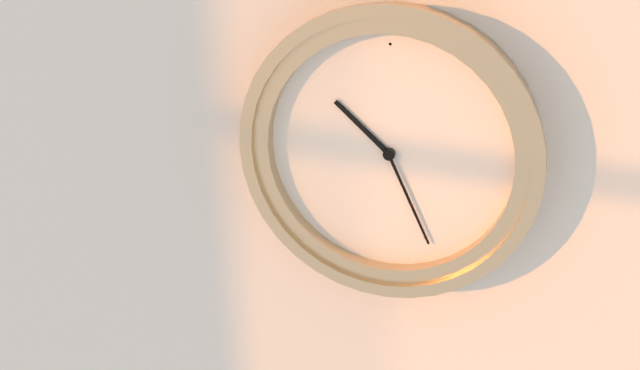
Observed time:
h=10 m=26
